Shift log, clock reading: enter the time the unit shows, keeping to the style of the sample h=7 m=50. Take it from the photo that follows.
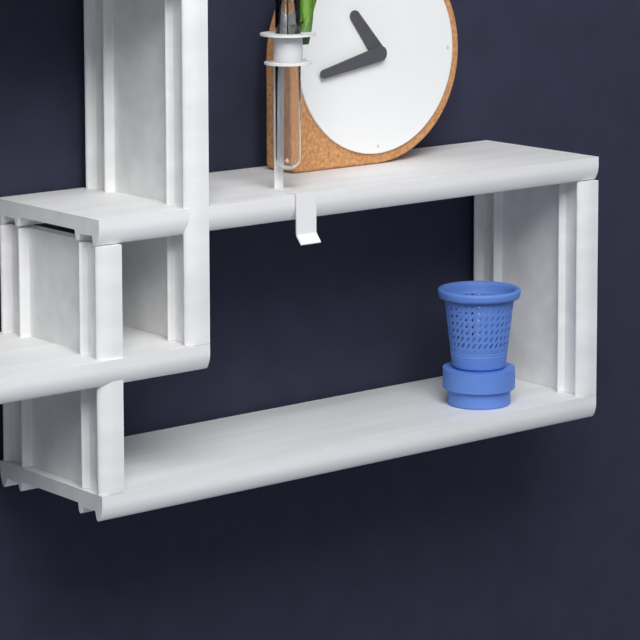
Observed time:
h=10 m=43
